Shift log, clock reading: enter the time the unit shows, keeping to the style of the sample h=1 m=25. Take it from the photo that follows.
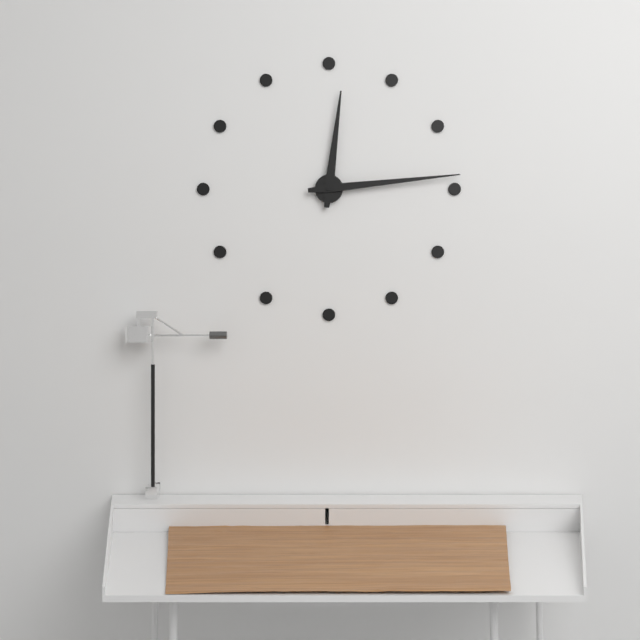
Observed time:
h=12 m=14
